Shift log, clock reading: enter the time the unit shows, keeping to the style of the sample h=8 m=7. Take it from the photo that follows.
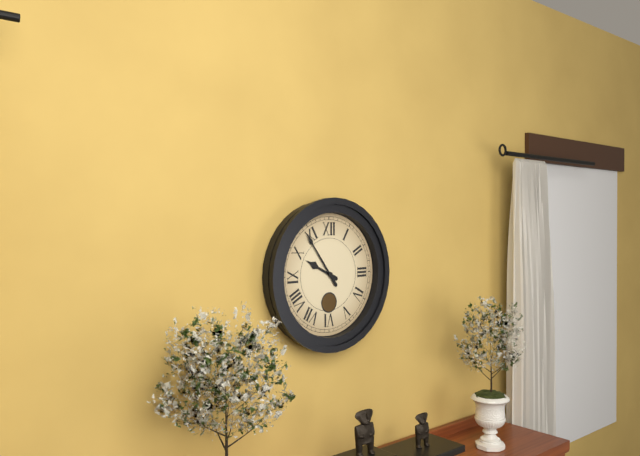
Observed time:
h=9 m=54
